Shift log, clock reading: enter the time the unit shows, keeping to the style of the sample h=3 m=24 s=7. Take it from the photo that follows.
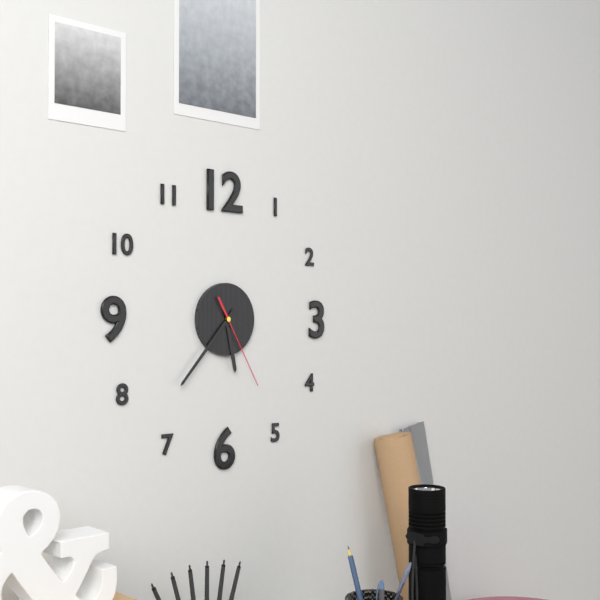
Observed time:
h=5 m=37 s=25
